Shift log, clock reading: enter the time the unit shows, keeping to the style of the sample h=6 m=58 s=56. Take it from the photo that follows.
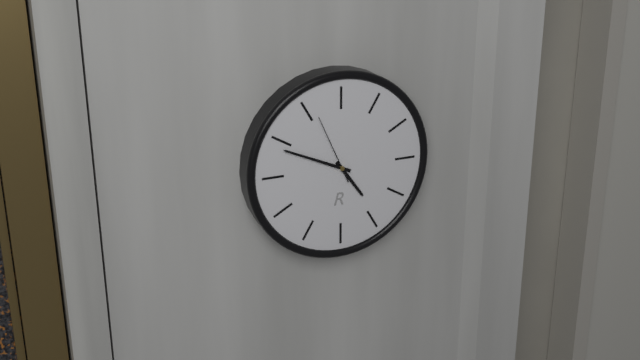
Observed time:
h=4 m=49 s=56
